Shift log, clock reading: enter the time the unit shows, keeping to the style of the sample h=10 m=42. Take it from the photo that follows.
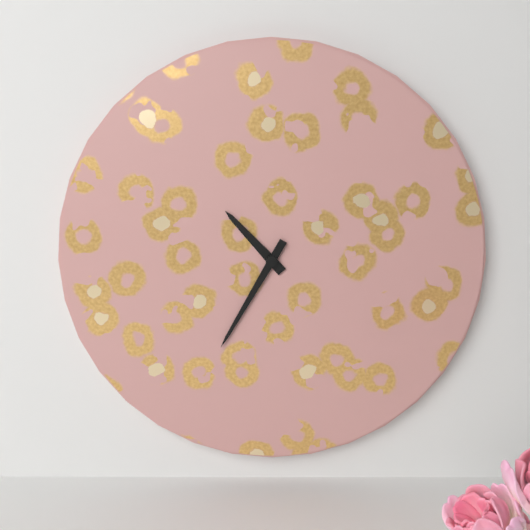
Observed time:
h=10 m=35
